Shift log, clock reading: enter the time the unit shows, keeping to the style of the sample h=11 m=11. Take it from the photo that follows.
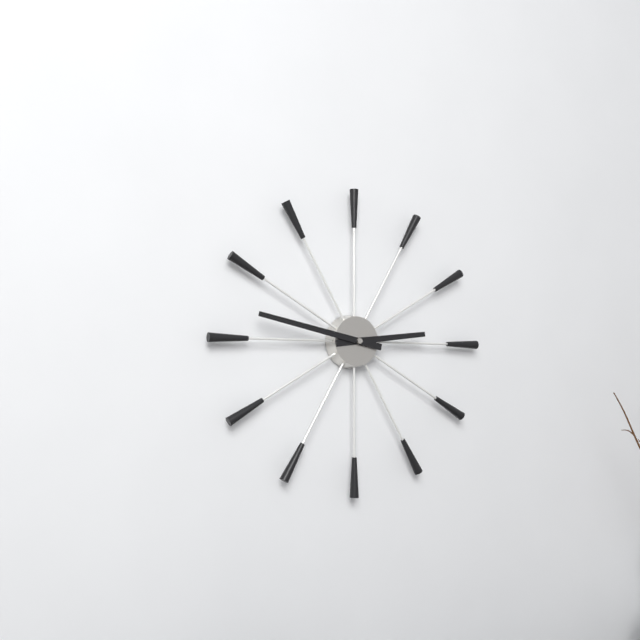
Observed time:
h=2 m=47
